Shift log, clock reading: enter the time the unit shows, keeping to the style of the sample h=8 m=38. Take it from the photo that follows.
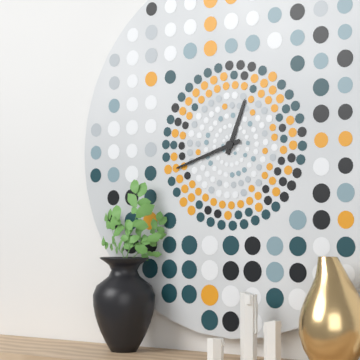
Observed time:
h=12 m=42
